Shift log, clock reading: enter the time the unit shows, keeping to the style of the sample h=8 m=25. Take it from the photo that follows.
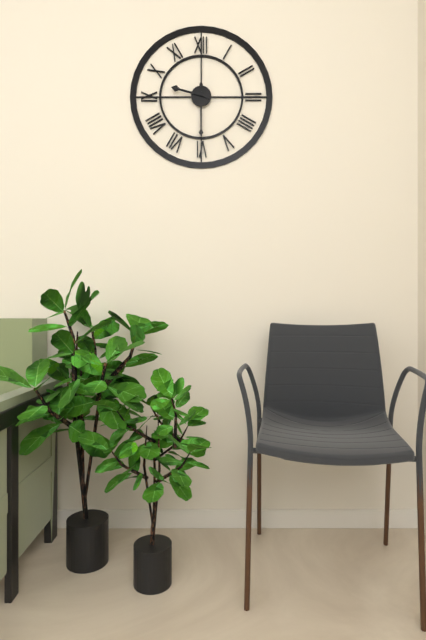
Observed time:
h=9 m=30
